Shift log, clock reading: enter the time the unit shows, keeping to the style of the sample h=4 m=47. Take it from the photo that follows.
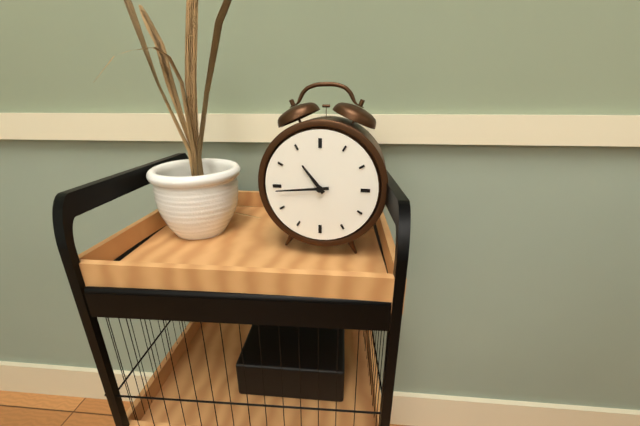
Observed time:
h=10 m=44
